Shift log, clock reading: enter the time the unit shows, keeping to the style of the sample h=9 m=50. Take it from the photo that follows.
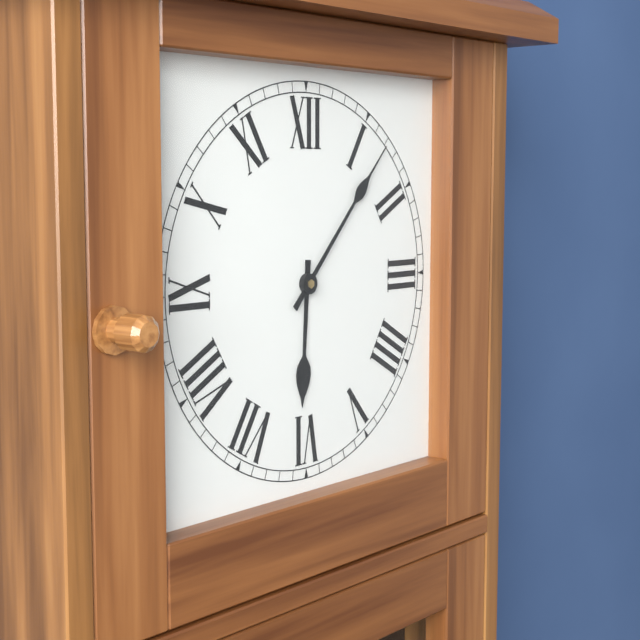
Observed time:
h=6 m=7
